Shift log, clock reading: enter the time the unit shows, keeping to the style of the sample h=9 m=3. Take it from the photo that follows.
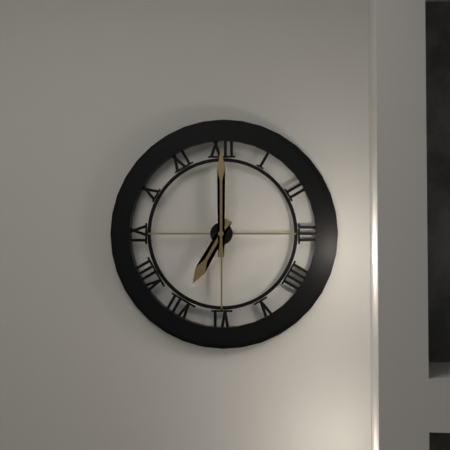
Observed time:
h=7 m=0
